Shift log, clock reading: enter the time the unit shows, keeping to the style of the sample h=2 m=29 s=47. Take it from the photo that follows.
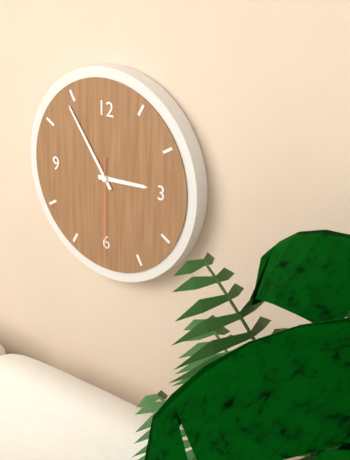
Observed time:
h=2 m=54 s=30
